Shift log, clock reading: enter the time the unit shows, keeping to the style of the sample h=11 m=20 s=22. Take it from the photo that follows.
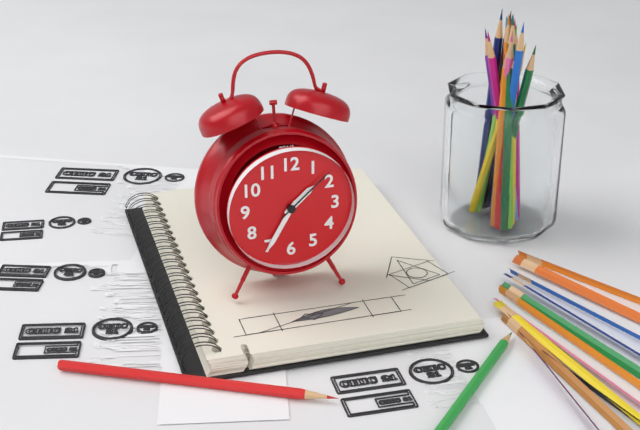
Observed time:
h=1 m=35 s=8
